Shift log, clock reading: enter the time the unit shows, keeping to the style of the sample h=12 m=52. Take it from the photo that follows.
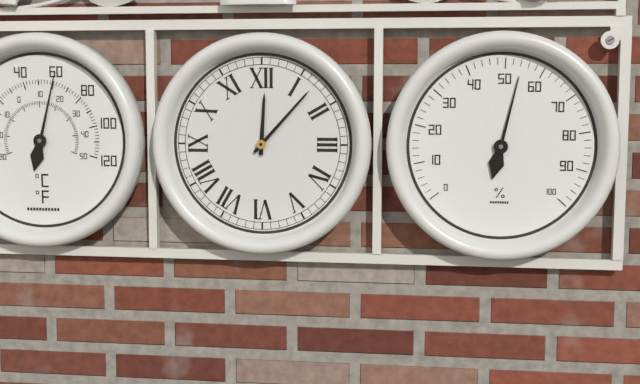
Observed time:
h=12 m=7
